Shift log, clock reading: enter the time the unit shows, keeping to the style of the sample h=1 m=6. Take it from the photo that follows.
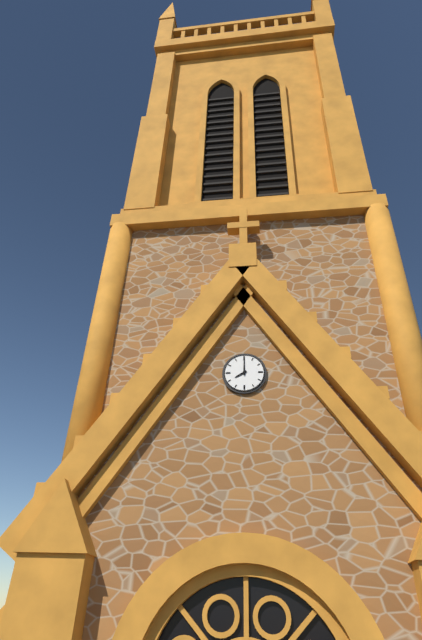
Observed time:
h=8 m=0
